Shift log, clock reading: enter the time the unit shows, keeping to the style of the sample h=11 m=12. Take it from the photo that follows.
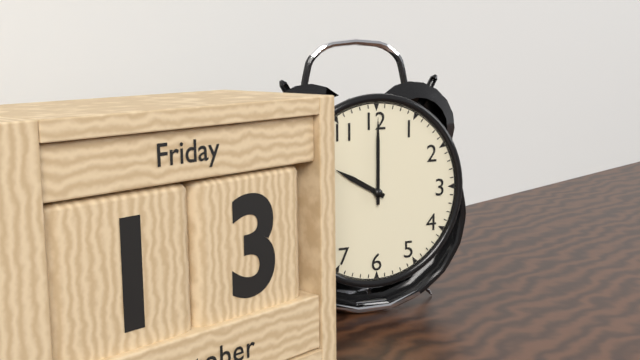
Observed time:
h=10 m=0
